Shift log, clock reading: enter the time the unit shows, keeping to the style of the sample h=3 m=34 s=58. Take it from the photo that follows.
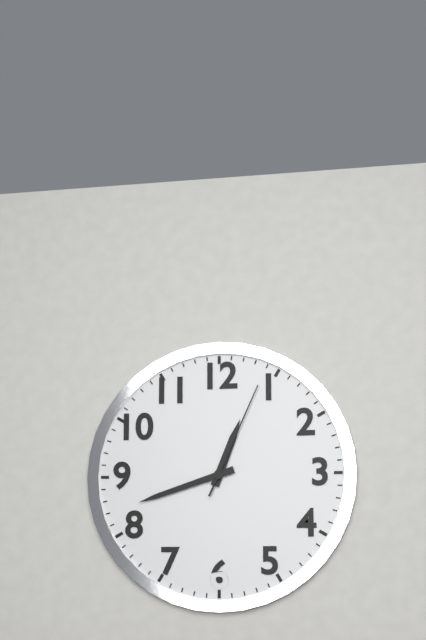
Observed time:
h=12 m=42 s=4
